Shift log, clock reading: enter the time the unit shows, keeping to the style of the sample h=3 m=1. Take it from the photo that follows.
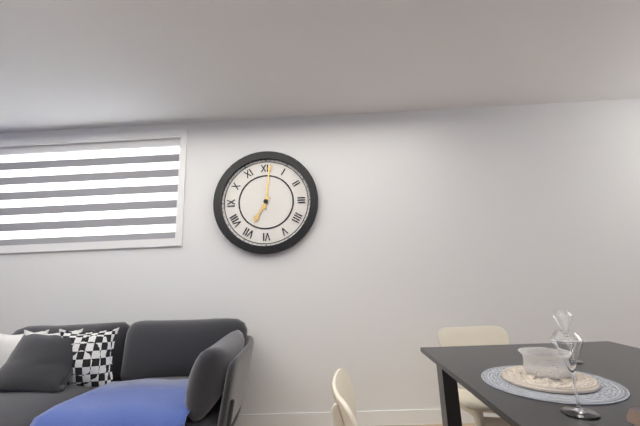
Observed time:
h=7 m=1
